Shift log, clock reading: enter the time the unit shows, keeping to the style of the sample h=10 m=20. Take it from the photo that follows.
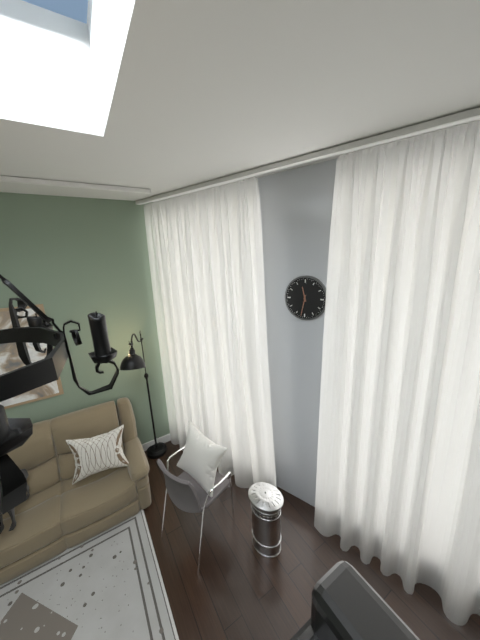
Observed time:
h=11 m=32
